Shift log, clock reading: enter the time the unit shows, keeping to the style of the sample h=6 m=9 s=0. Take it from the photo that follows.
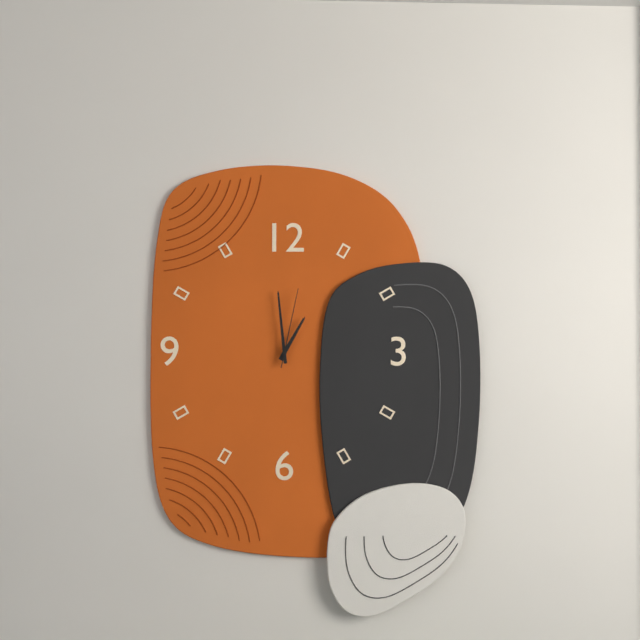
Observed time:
h=12 m=59 s=2
